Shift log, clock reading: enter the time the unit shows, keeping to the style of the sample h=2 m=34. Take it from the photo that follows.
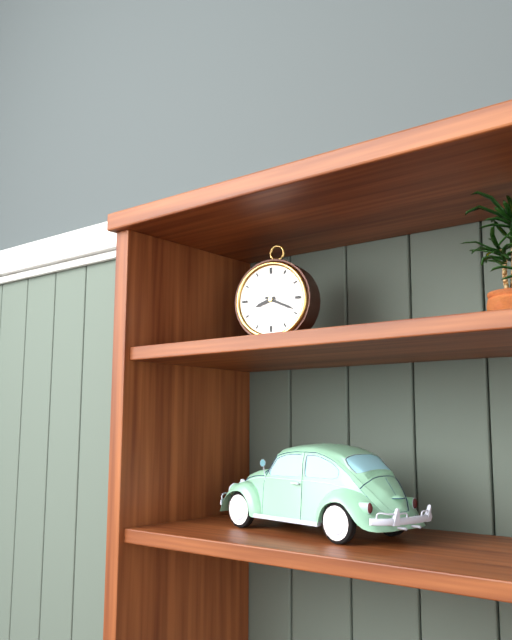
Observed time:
h=8 m=19
